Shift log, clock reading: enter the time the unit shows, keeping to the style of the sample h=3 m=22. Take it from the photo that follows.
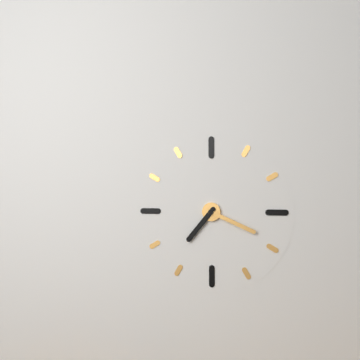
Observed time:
h=7 m=19
